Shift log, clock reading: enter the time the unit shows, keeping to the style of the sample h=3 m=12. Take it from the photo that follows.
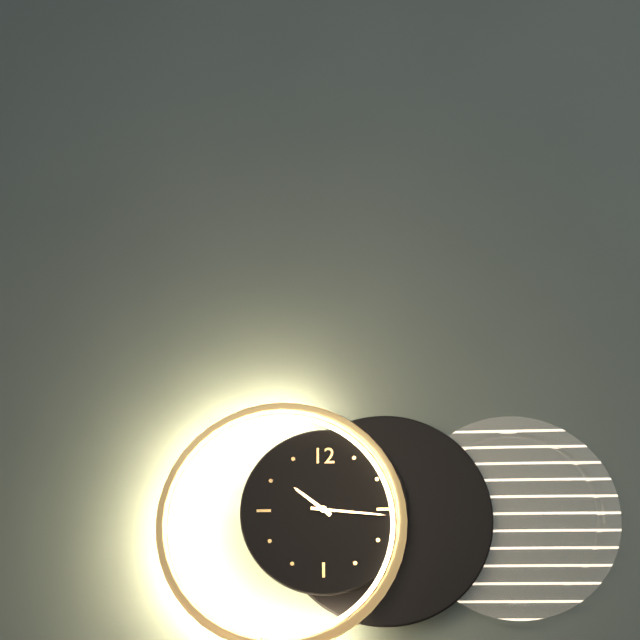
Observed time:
h=10 m=16
